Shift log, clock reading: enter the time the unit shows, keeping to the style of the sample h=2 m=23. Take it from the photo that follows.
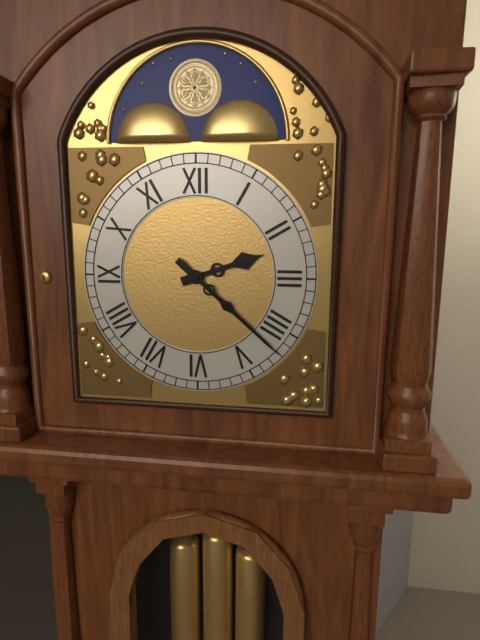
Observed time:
h=2 m=22
